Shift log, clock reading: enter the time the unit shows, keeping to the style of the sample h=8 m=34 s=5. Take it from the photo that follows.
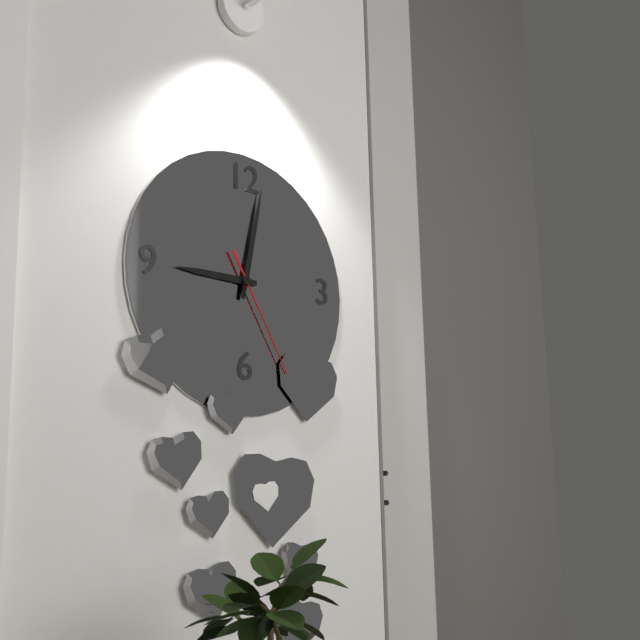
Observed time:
h=9 m=2 s=25
